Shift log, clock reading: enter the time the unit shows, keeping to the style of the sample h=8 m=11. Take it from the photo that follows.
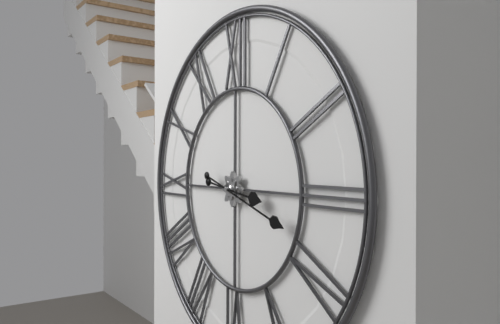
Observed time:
h=3 m=18
